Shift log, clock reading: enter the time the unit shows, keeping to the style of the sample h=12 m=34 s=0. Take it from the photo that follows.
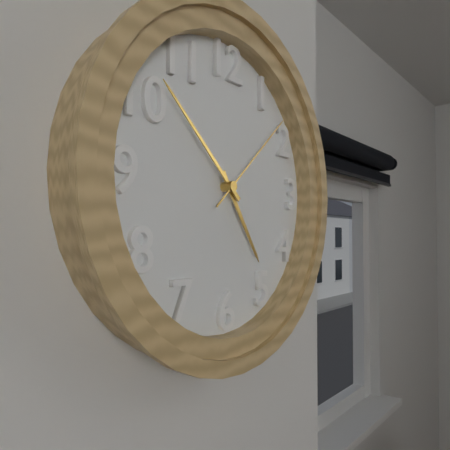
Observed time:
h=4 m=52 s=8
